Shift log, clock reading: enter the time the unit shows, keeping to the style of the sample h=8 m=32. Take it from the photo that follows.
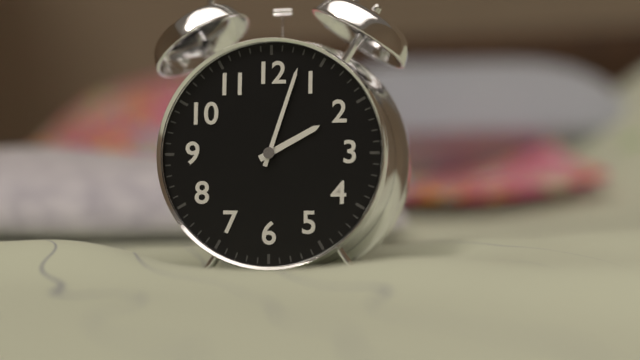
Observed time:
h=2 m=3
